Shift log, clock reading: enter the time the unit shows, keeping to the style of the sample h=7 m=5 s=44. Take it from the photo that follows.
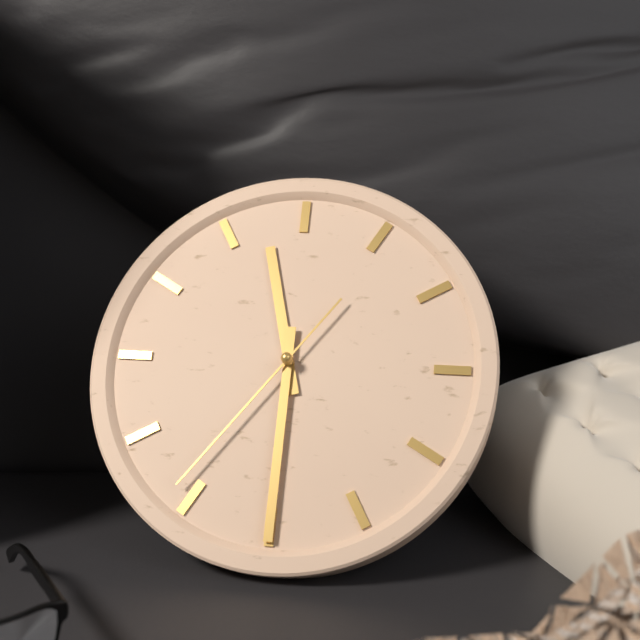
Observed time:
h=11 m=30 s=36
